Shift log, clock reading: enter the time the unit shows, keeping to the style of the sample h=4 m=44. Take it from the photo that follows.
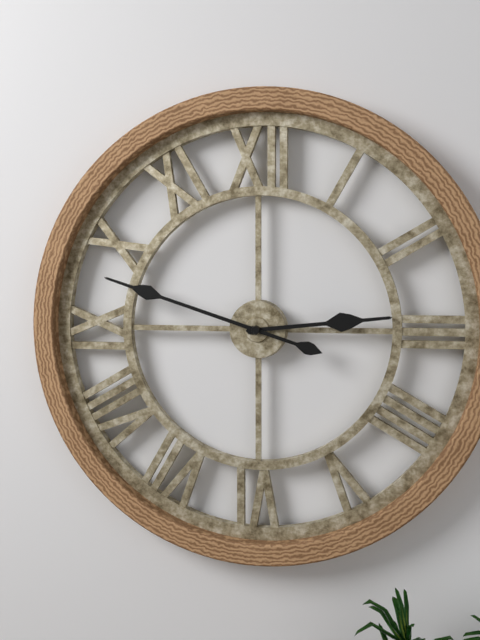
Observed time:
h=2 m=48
